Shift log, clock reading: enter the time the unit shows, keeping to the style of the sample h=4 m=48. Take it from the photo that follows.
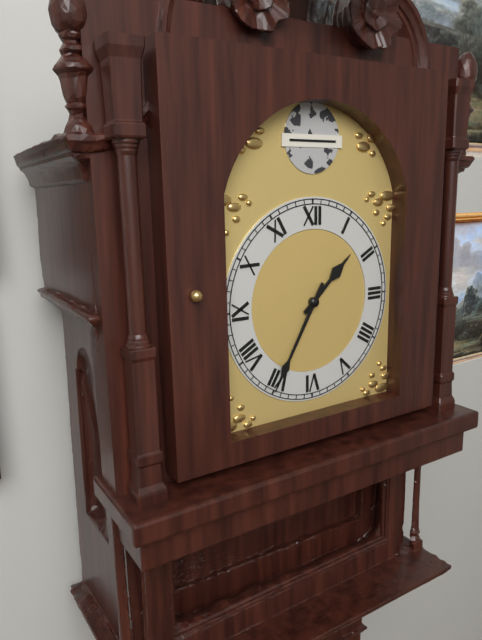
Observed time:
h=1 m=35
